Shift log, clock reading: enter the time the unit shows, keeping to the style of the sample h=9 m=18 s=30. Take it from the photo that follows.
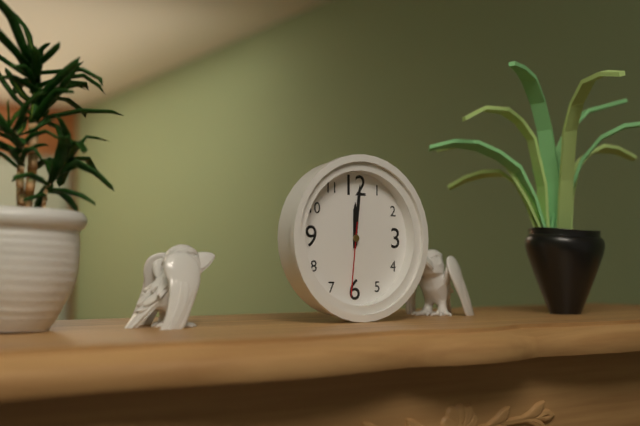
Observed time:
h=12 m=1 s=31
